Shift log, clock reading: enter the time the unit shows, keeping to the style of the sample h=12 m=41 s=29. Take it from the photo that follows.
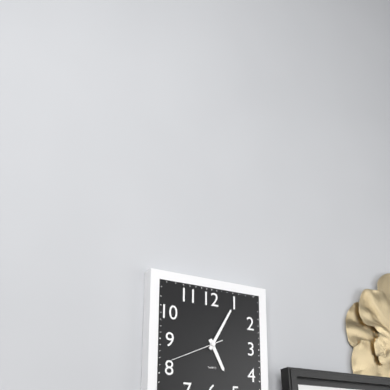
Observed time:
h=5 m=5 s=41
